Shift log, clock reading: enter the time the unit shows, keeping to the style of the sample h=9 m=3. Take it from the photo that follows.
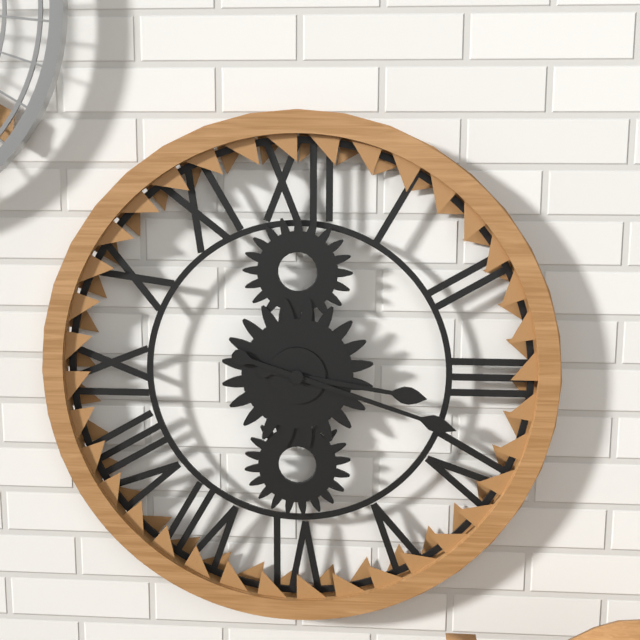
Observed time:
h=3 m=18
